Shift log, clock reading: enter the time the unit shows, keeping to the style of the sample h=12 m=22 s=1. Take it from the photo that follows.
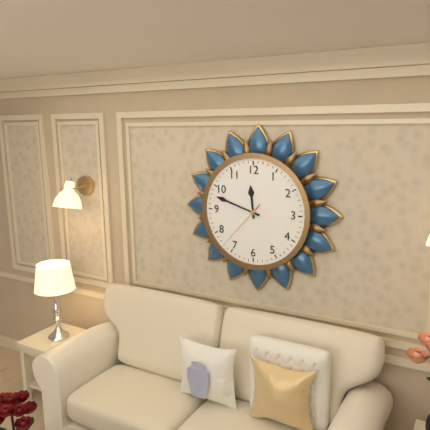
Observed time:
h=11 m=48 s=37
